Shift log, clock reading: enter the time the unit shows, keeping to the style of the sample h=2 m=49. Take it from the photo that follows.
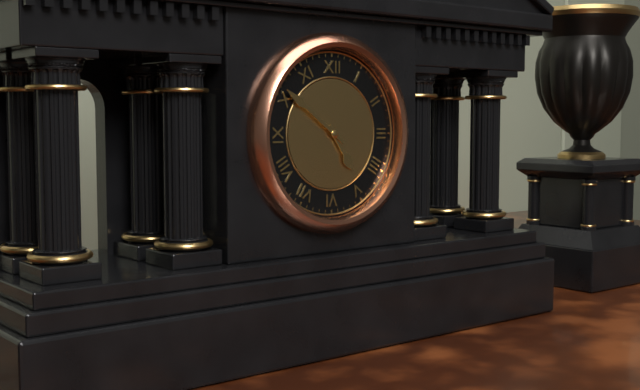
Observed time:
h=4 m=51
